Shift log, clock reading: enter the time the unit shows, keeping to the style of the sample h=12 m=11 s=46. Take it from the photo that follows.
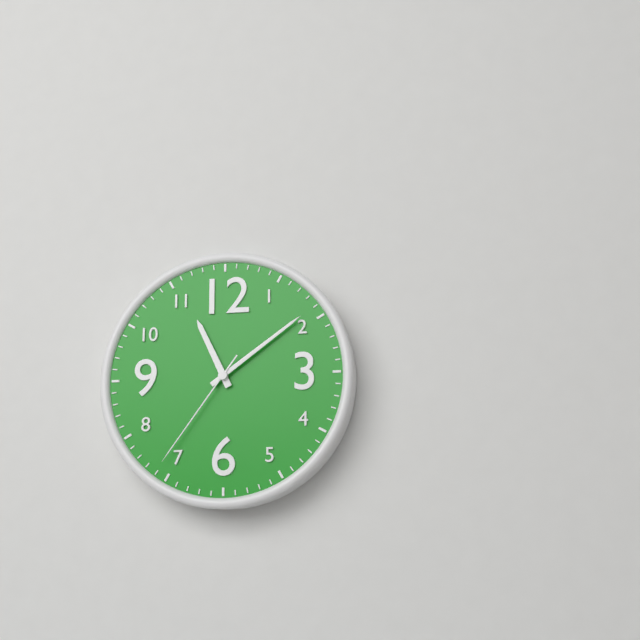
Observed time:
h=11 m=9 s=36
